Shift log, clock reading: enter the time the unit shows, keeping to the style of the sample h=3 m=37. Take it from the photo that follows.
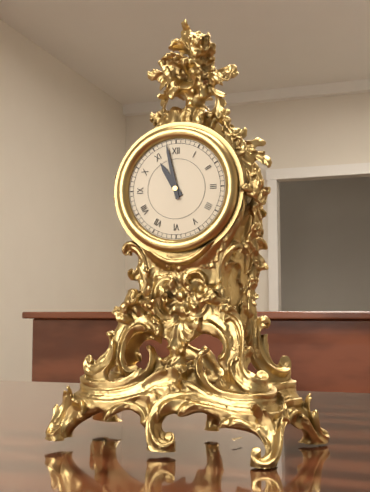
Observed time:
h=10 m=58
